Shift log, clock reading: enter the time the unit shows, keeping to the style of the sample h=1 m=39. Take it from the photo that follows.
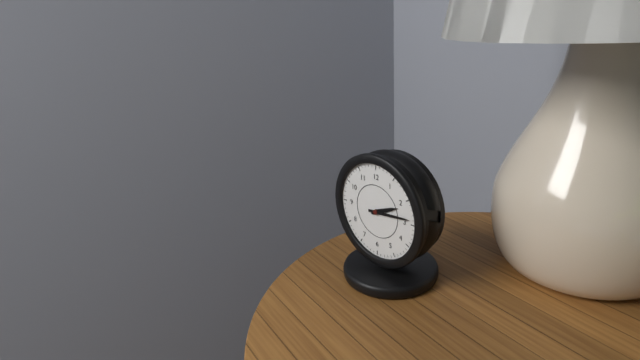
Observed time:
h=2 m=14
